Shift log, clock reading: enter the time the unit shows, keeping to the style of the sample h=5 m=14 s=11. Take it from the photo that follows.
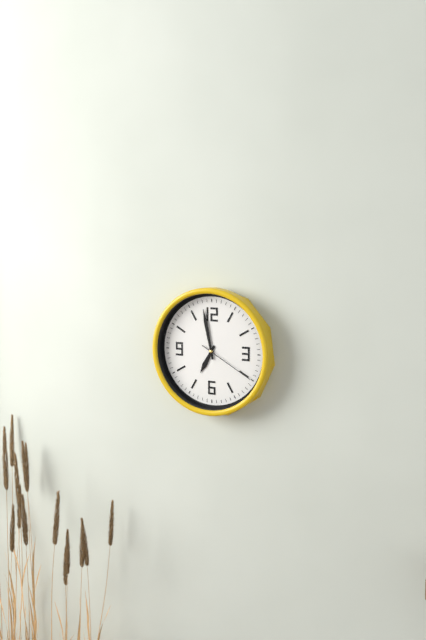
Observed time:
h=6 m=58 s=20
